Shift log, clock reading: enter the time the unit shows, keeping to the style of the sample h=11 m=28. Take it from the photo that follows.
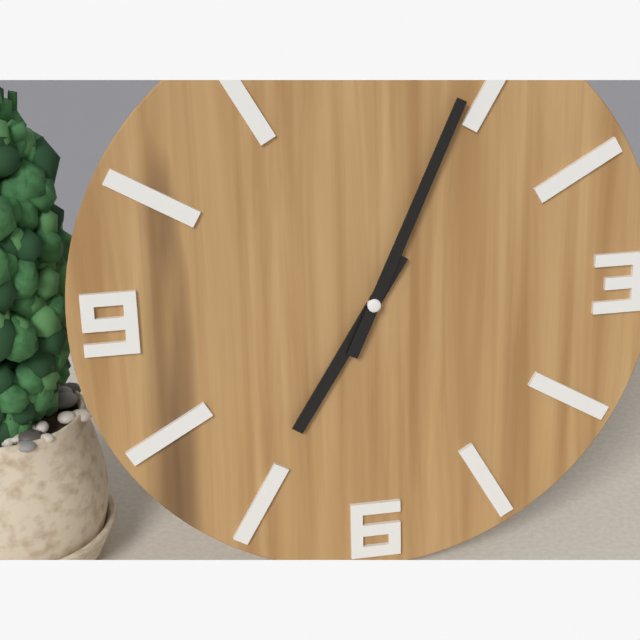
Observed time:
h=7 m=4
